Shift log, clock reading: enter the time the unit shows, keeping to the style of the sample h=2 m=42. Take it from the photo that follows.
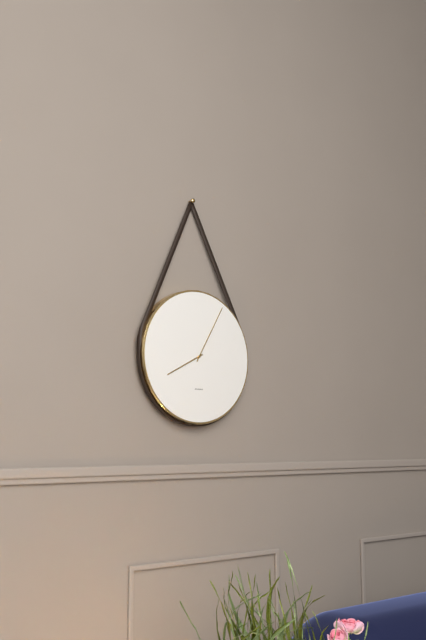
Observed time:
h=8 m=5
